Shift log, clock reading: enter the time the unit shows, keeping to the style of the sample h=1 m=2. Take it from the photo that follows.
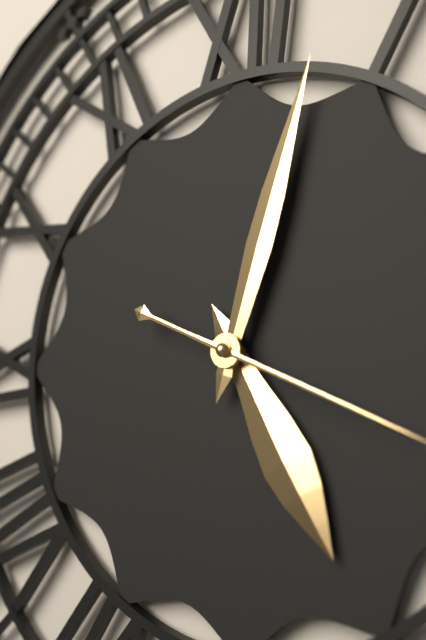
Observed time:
h=5 m=3
